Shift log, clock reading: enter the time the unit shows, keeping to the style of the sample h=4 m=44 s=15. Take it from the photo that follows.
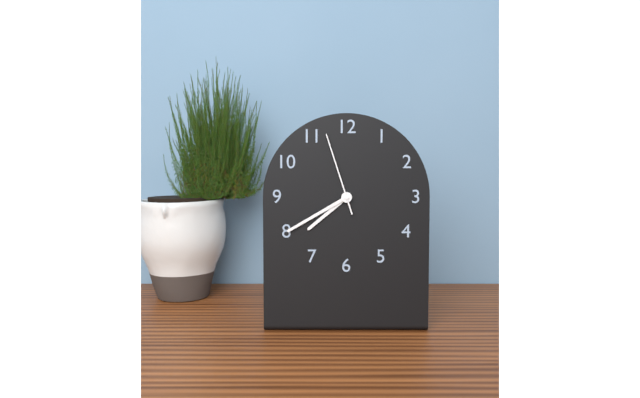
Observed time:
h=7 m=40 s=57
